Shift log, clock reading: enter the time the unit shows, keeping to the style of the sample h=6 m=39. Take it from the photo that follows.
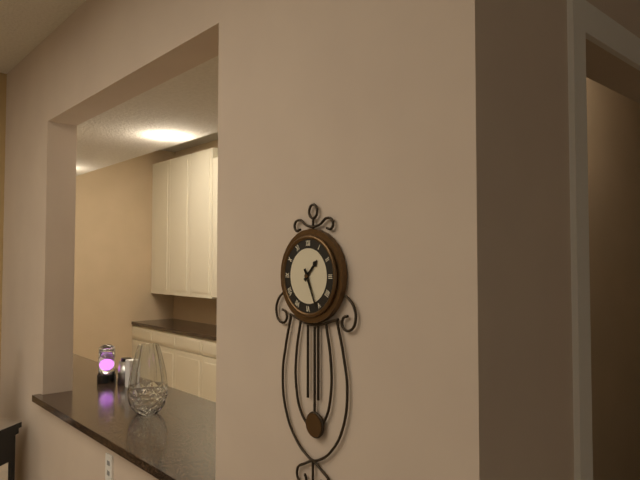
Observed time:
h=1 m=26
